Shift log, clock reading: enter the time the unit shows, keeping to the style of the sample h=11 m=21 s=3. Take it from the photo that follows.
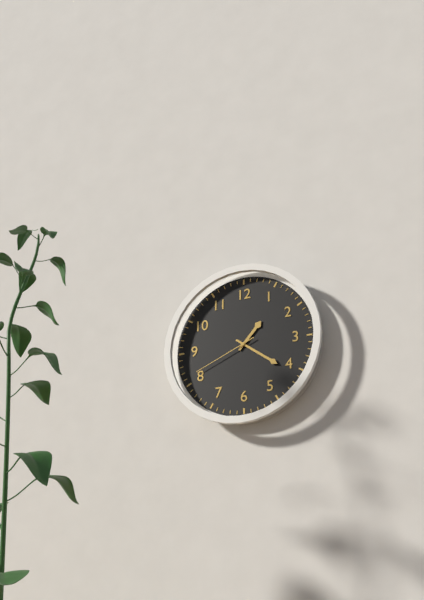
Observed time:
h=1 m=21 s=41
